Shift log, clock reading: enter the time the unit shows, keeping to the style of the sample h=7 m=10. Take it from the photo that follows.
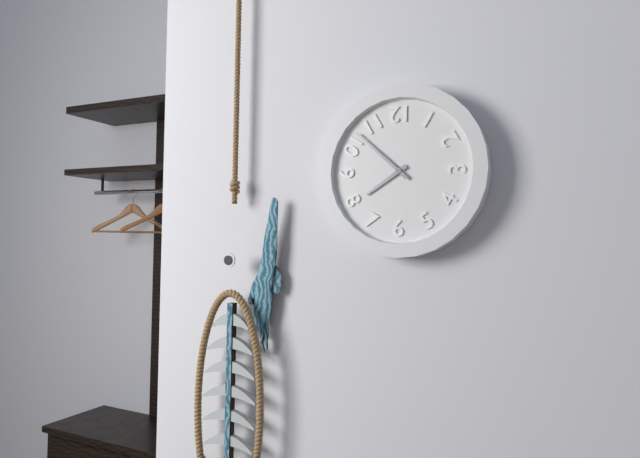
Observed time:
h=7 m=52
